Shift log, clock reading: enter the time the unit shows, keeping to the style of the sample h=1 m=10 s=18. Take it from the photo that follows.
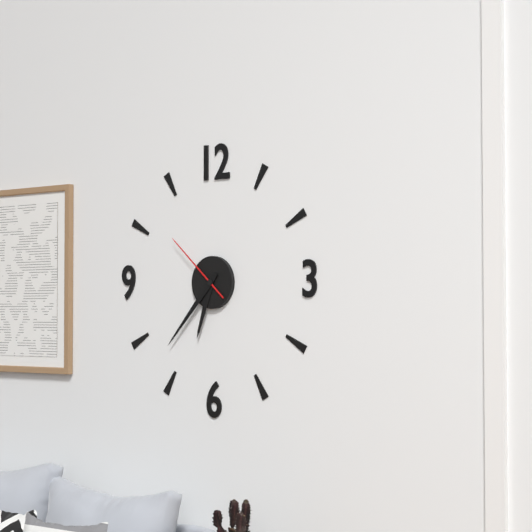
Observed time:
h=6 m=37 s=52
